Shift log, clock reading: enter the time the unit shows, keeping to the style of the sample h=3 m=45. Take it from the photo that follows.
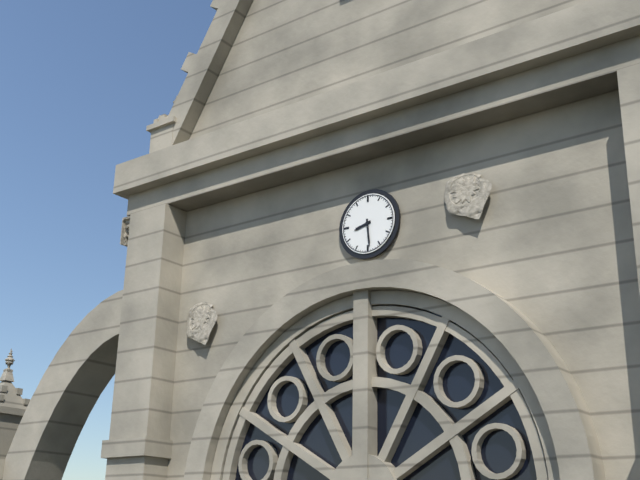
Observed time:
h=8 m=29
